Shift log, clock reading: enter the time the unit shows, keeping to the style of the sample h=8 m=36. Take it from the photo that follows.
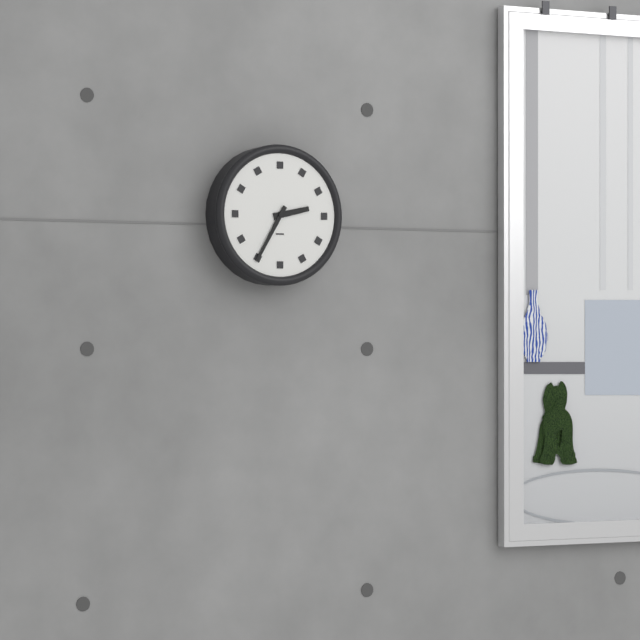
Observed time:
h=2 m=35
